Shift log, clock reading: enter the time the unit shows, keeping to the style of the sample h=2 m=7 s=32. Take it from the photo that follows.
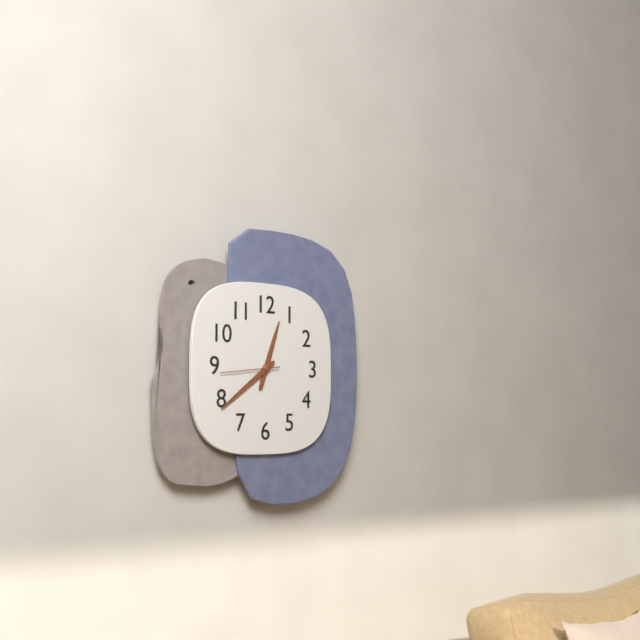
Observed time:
h=12 m=39 s=44
